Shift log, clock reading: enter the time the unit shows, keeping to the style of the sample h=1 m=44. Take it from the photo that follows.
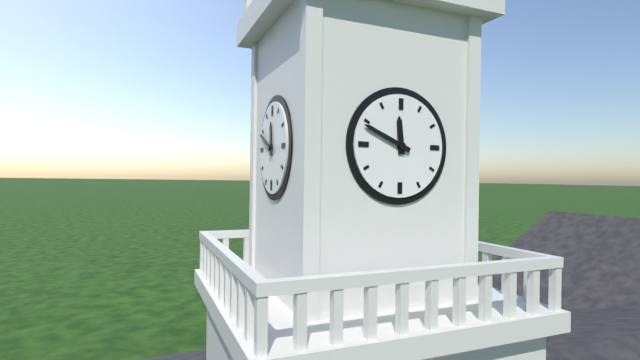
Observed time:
h=11 m=49
